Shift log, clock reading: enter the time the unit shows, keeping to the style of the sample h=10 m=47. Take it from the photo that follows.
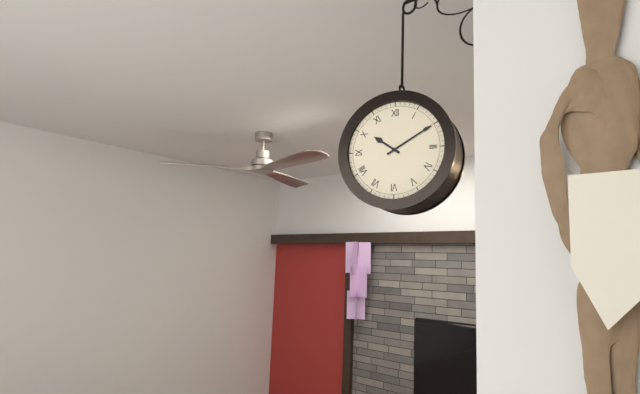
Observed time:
h=10 m=10
